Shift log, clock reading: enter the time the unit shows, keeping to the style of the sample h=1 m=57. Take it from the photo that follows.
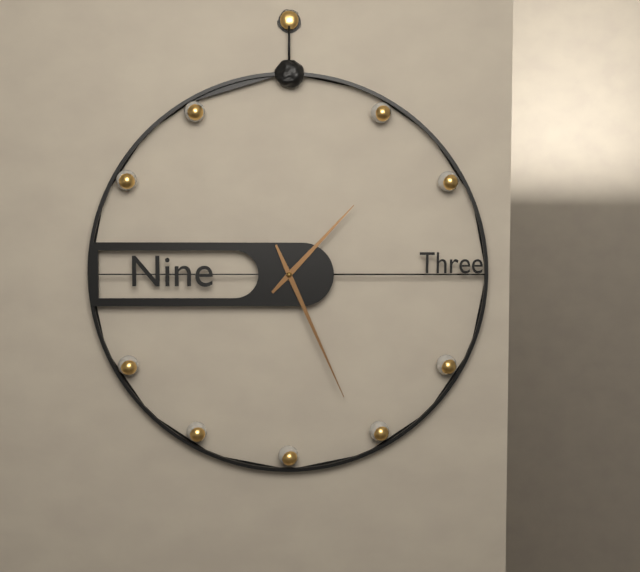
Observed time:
h=1 m=26
